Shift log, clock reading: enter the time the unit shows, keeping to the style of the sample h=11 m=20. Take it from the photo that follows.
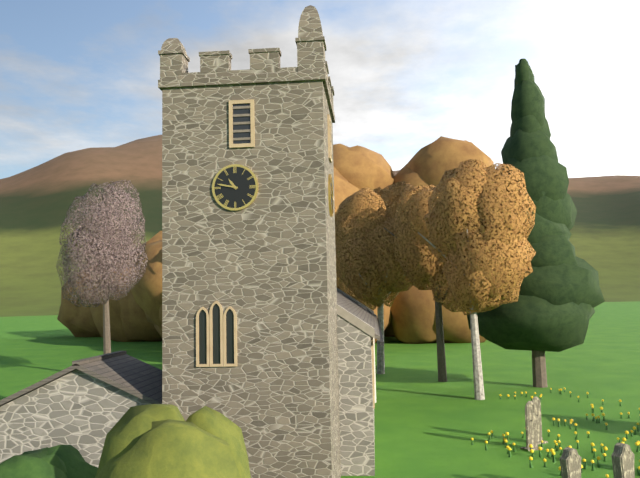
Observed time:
h=10 m=47
